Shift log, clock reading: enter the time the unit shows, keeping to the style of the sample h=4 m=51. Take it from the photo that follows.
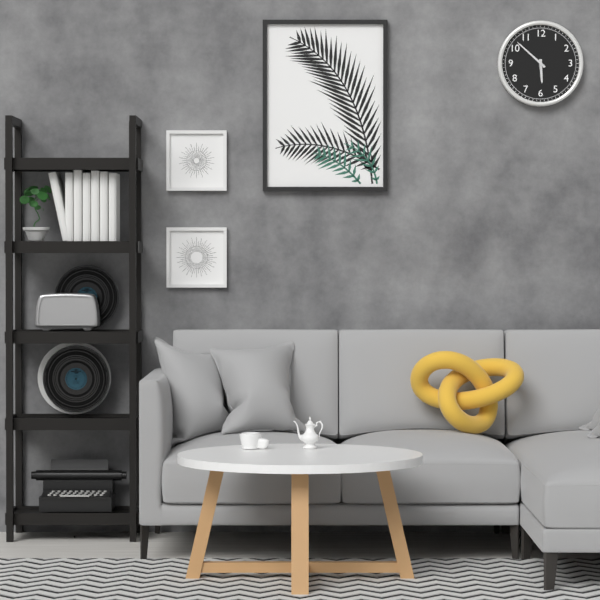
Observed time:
h=5 m=52
